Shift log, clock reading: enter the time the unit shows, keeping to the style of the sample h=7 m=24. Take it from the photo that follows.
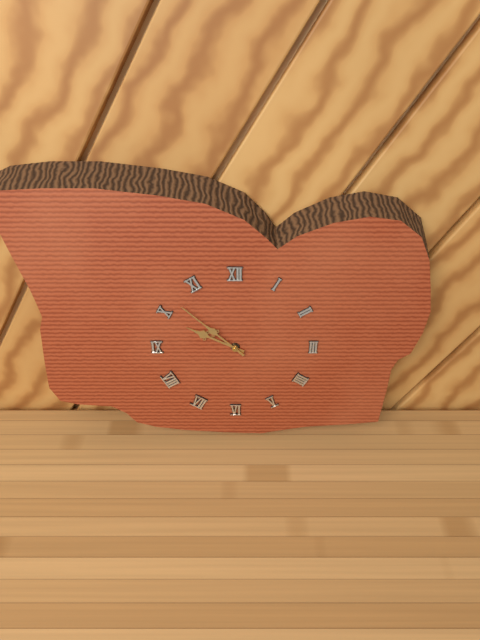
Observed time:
h=9 m=52
